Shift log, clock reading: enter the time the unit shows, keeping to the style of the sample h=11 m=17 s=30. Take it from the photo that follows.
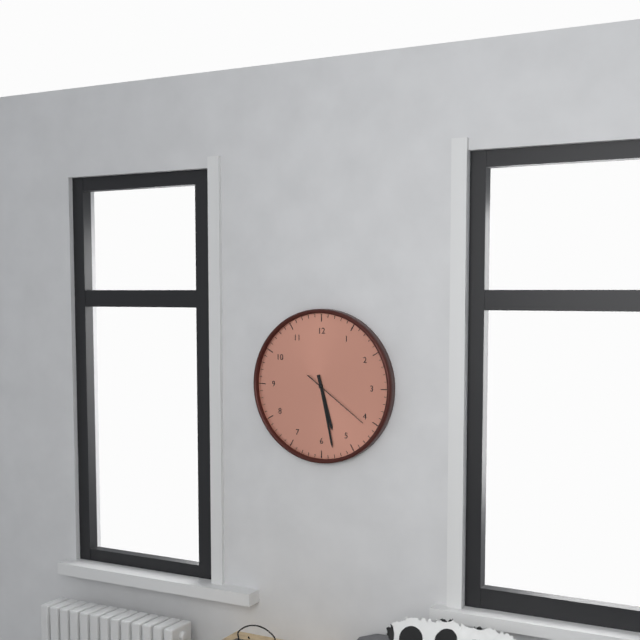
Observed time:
h=5 m=28 s=21
